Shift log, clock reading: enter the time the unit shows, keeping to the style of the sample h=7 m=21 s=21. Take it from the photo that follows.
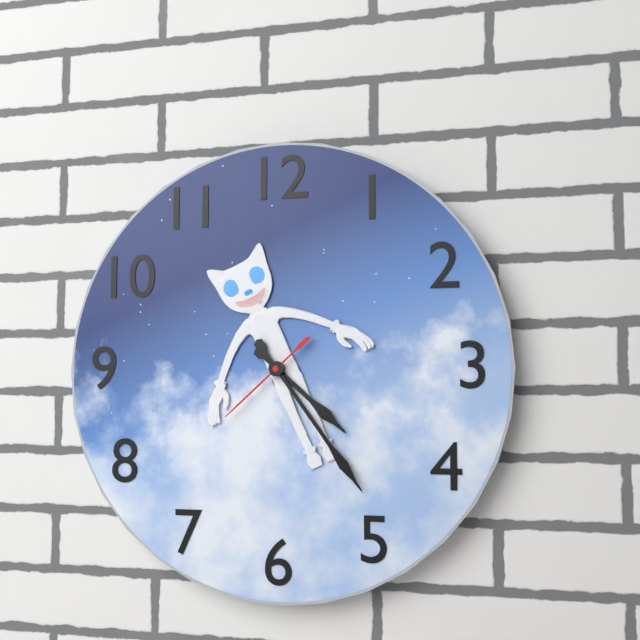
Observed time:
h=4 m=24 s=38
